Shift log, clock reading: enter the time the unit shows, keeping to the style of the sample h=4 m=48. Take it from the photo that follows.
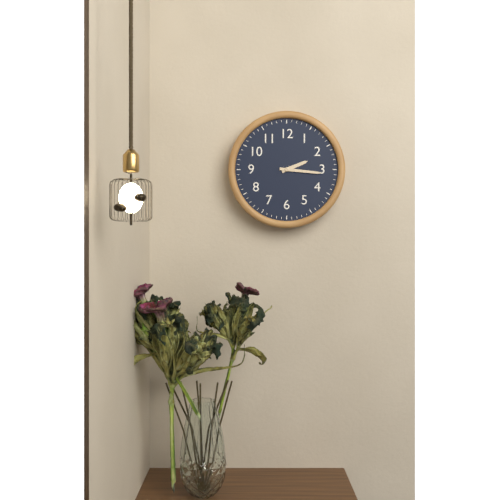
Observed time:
h=2 m=16
